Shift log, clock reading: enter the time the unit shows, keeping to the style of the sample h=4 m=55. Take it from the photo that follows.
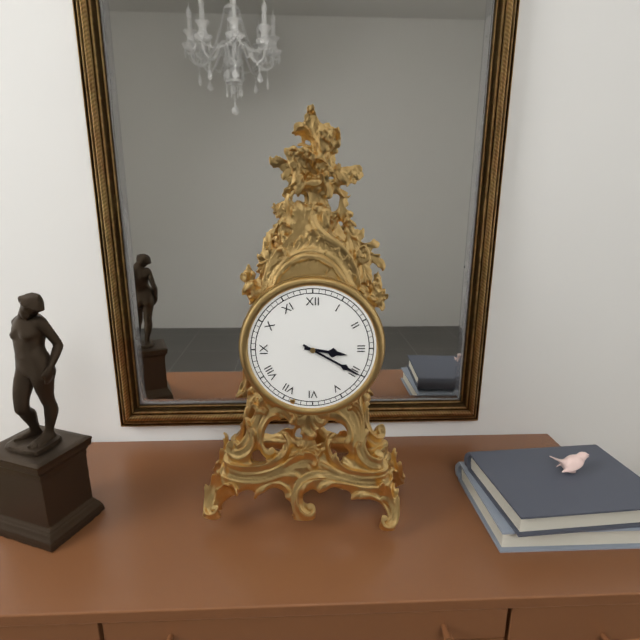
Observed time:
h=3 m=20
